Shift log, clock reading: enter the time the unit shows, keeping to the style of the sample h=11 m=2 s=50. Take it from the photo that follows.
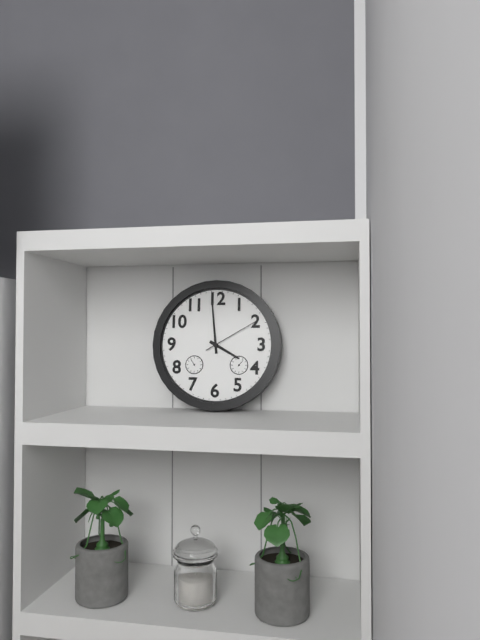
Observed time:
h=3 m=59 s=10
